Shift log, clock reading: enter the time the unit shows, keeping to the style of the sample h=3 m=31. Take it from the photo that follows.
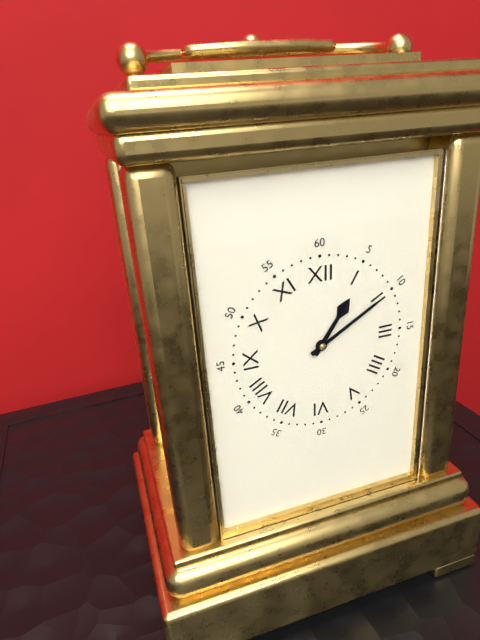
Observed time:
h=1 m=10
